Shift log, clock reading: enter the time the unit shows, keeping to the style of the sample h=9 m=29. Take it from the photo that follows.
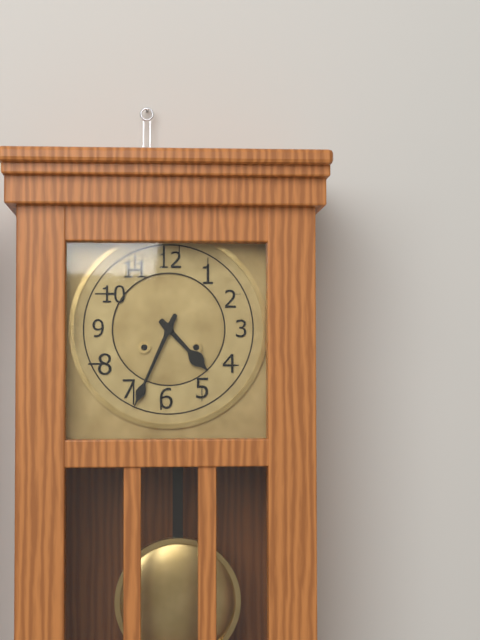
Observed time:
h=4 m=34
